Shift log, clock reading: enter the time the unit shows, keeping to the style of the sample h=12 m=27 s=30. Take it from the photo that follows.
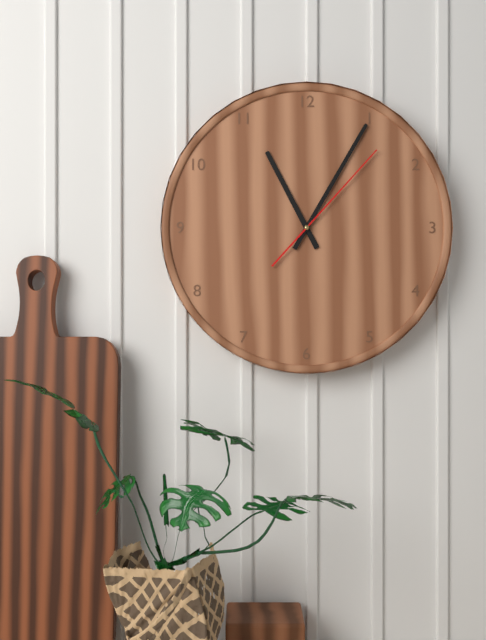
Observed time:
h=11 m=5 s=7
